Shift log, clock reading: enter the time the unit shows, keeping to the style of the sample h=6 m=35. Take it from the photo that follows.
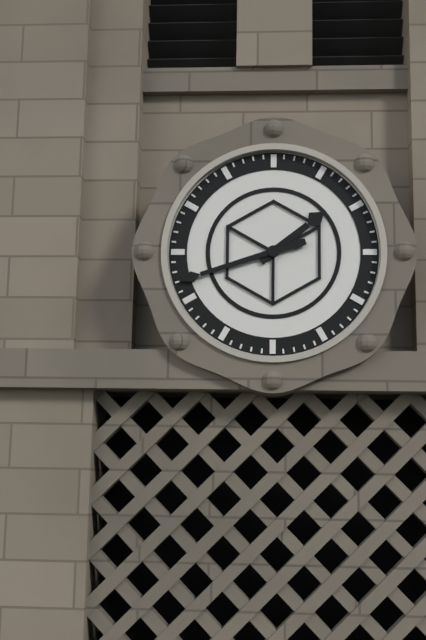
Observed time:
h=1 m=42
